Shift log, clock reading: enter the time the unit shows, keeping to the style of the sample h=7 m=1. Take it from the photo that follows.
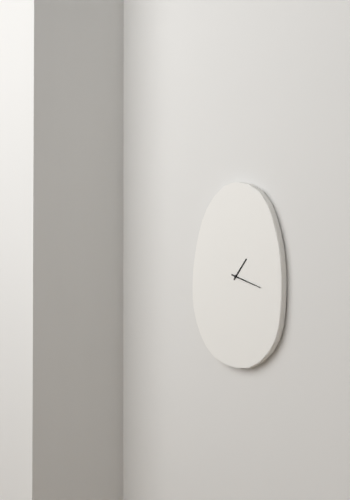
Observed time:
h=1 m=18
